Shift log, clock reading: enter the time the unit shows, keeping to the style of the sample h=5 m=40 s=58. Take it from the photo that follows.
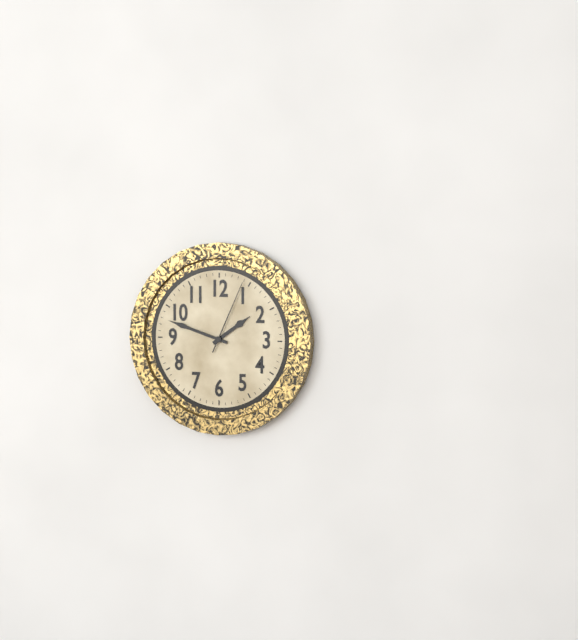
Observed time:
h=1 m=48 s=4
